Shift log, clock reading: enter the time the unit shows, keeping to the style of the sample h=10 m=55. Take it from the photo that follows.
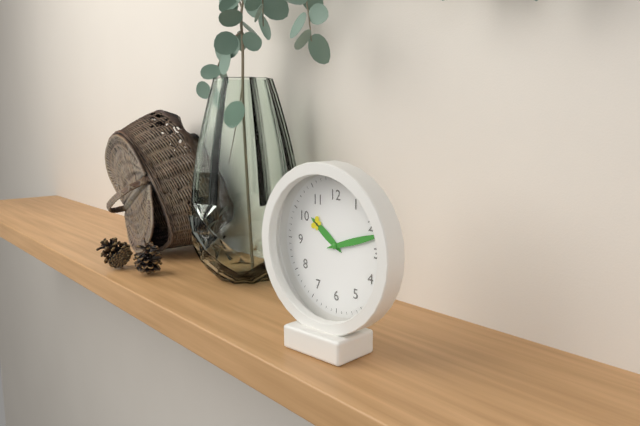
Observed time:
h=10 m=12
